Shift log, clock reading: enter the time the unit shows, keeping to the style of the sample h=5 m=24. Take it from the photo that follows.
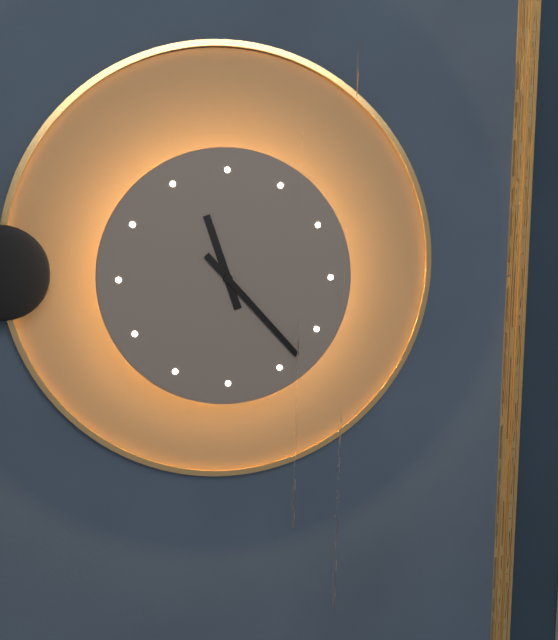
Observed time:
h=11 m=23
